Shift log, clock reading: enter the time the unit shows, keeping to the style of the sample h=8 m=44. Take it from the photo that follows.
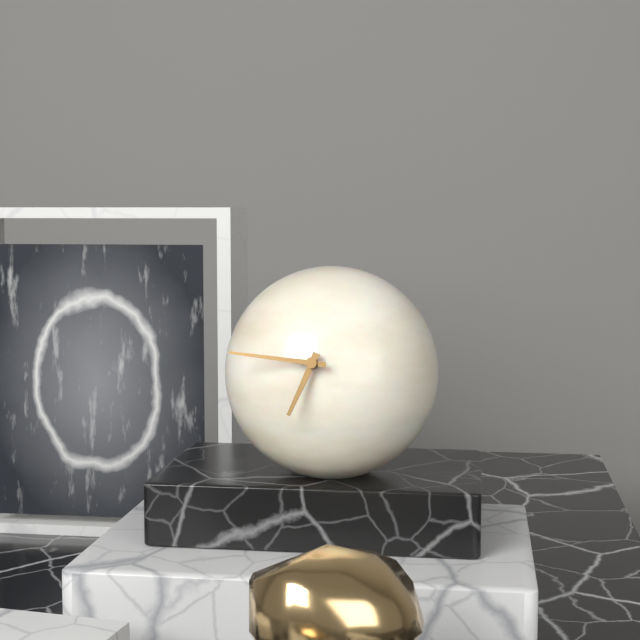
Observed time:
h=6 m=46
